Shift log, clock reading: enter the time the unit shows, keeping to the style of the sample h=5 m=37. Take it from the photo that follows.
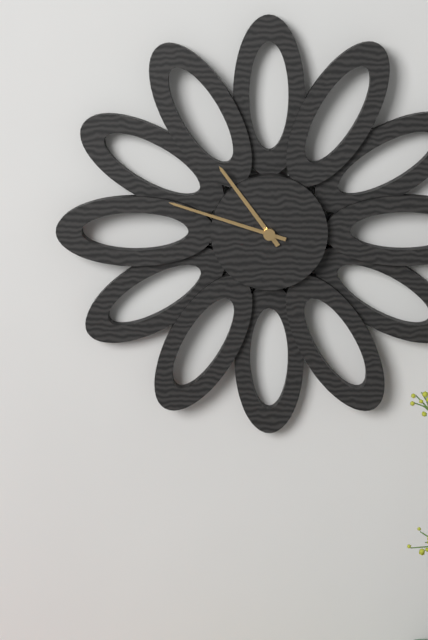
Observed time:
h=10 m=48
